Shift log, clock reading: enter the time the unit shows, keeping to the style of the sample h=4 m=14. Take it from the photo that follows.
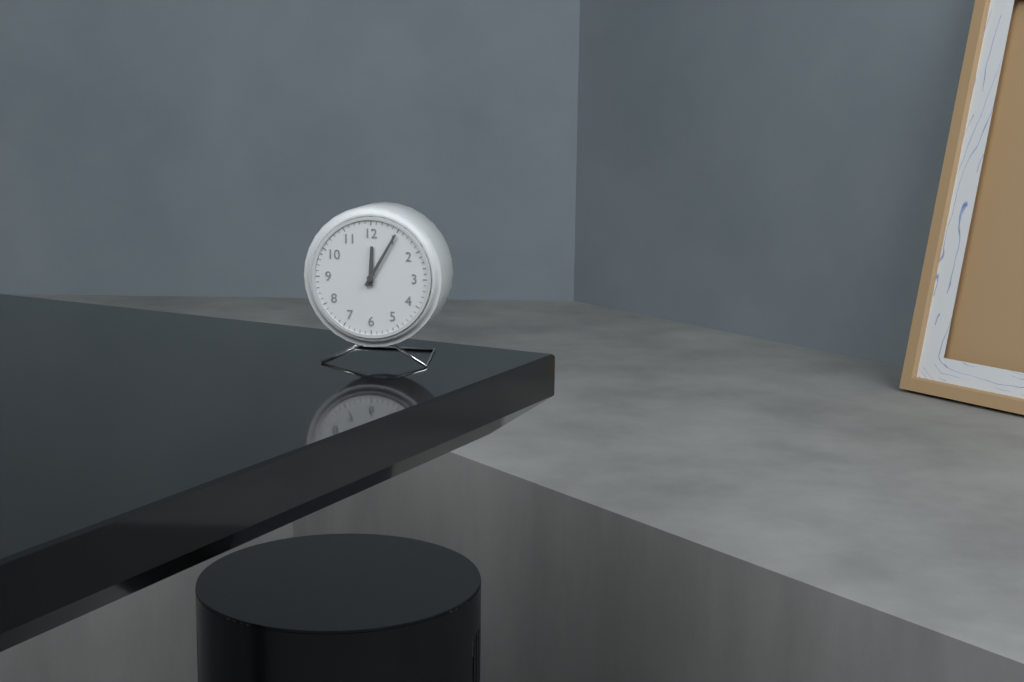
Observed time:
h=12 m=5
